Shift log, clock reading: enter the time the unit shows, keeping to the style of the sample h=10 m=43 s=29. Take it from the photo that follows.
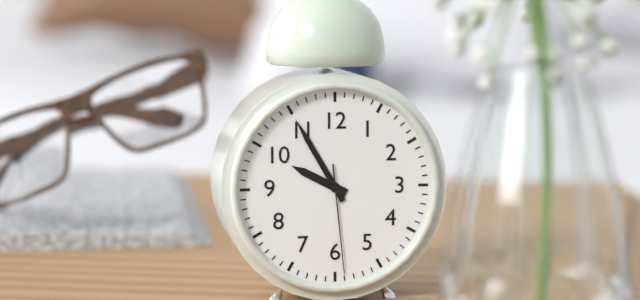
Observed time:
h=9 m=55 s=29
